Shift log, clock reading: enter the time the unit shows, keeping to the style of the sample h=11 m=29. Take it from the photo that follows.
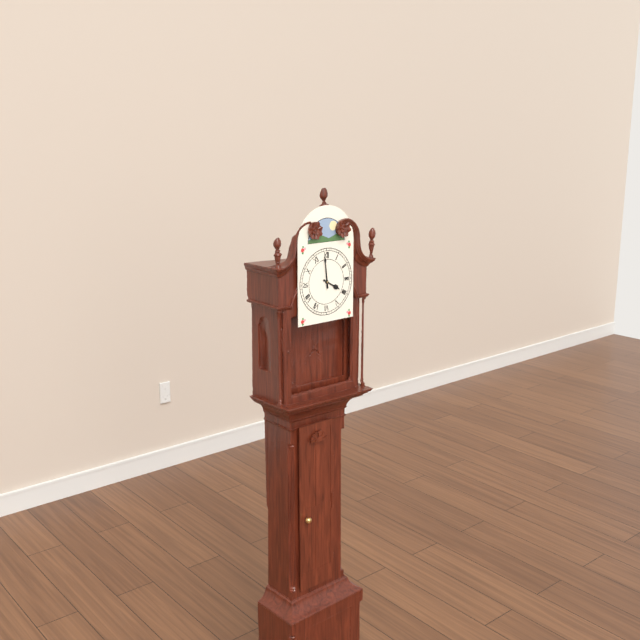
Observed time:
h=3 m=59
